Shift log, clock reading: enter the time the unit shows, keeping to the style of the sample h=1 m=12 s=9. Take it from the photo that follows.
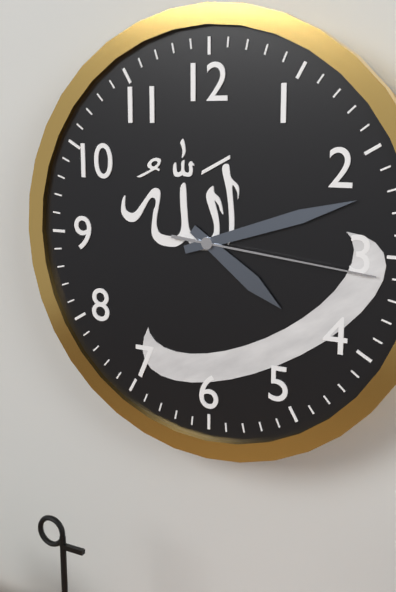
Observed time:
h=4 m=12 s=16
